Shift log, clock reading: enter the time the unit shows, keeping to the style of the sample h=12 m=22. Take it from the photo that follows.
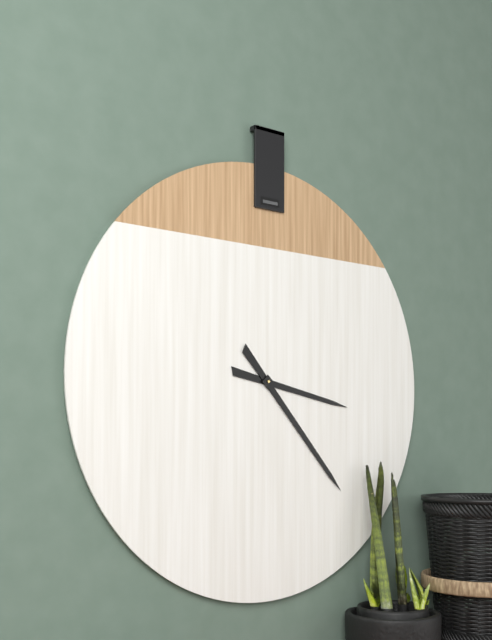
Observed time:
h=3 m=23
